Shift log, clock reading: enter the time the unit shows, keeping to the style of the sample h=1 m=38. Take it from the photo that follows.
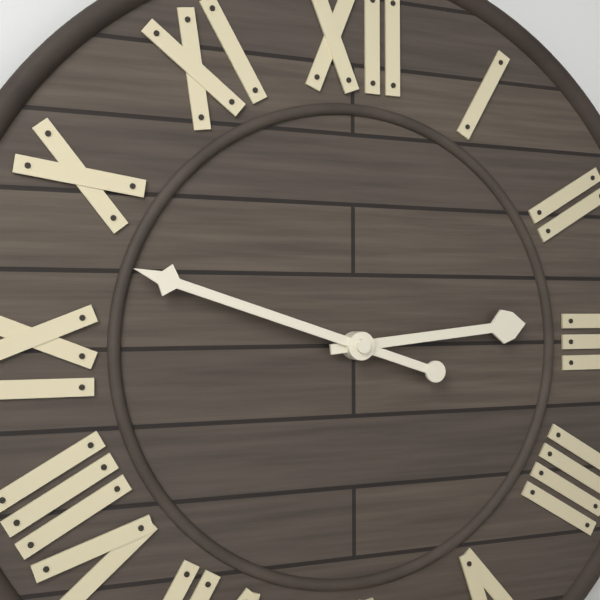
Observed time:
h=2 m=48
